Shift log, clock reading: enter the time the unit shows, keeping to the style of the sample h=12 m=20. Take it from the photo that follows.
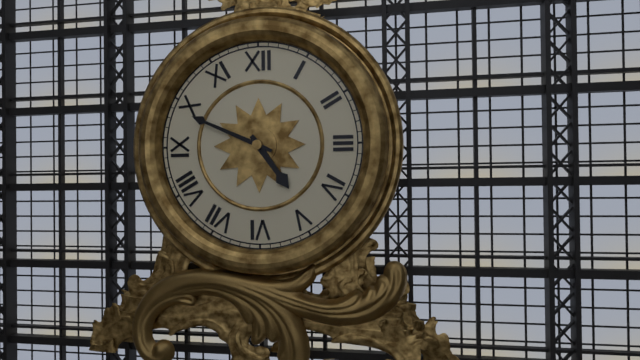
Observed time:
h=4 m=49
